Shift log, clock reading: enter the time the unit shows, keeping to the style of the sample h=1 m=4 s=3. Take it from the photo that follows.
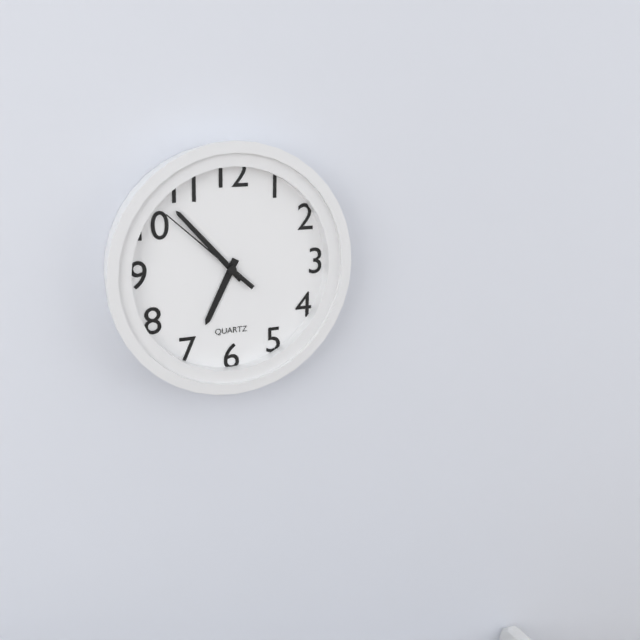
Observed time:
h=6 m=53 s=52
